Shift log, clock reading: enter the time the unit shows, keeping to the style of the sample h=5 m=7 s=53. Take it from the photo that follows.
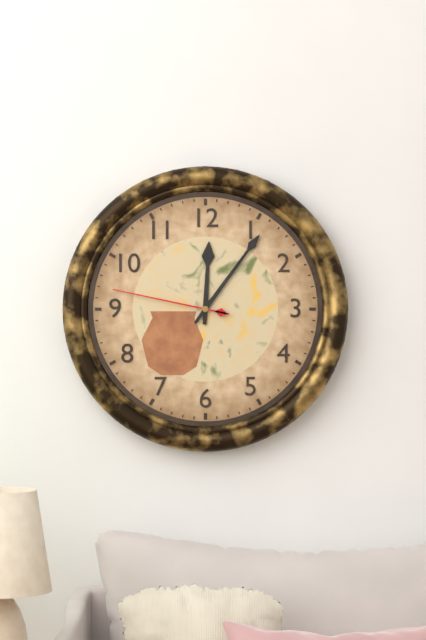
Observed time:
h=12 m=6 s=47
